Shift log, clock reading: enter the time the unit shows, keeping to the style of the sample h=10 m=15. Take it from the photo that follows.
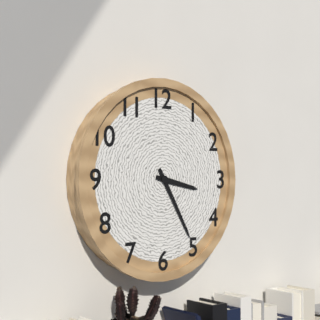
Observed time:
h=3 m=25
